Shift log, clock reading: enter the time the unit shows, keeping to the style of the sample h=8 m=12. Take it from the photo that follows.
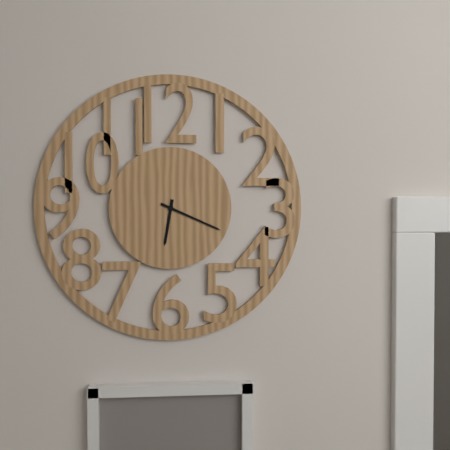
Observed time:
h=6 m=19
